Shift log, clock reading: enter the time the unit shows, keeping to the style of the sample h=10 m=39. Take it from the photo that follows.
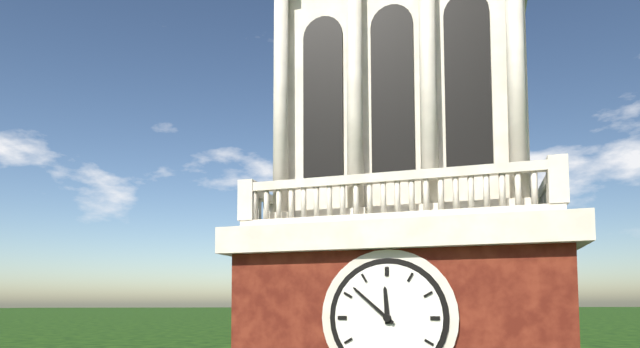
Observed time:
h=11 m=52
